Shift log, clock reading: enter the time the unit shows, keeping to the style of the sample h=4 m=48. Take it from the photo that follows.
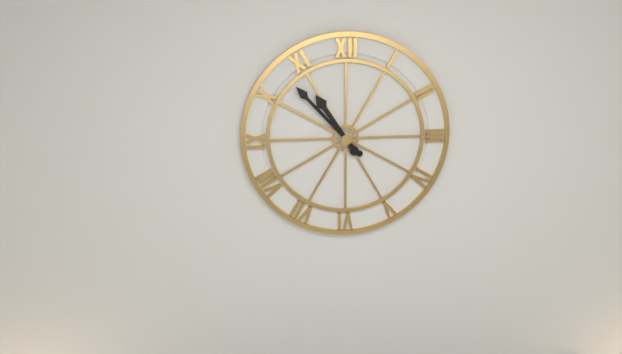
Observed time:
h=10 m=53
